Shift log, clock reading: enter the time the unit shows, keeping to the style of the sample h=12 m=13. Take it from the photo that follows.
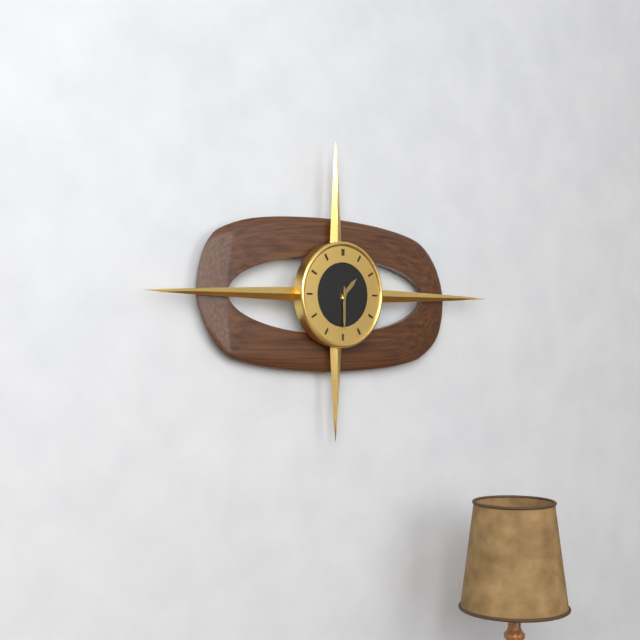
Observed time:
h=1 m=30
